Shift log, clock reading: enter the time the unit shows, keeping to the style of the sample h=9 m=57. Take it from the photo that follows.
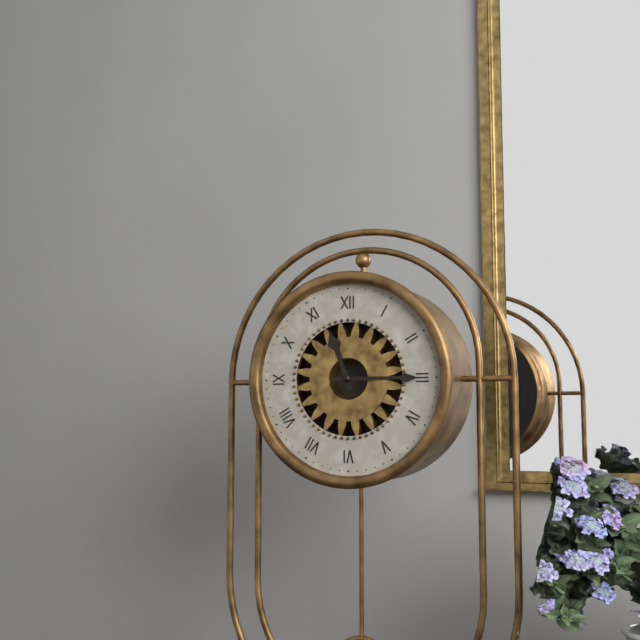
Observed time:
h=11 m=15
